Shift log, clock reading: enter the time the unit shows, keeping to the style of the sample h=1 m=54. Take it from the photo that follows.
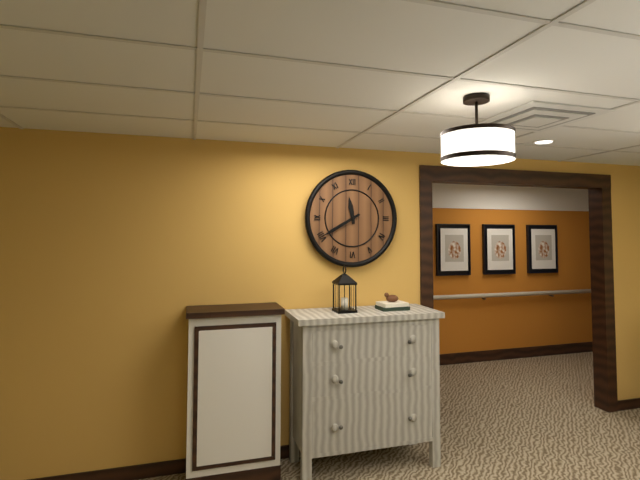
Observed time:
h=11 m=40
